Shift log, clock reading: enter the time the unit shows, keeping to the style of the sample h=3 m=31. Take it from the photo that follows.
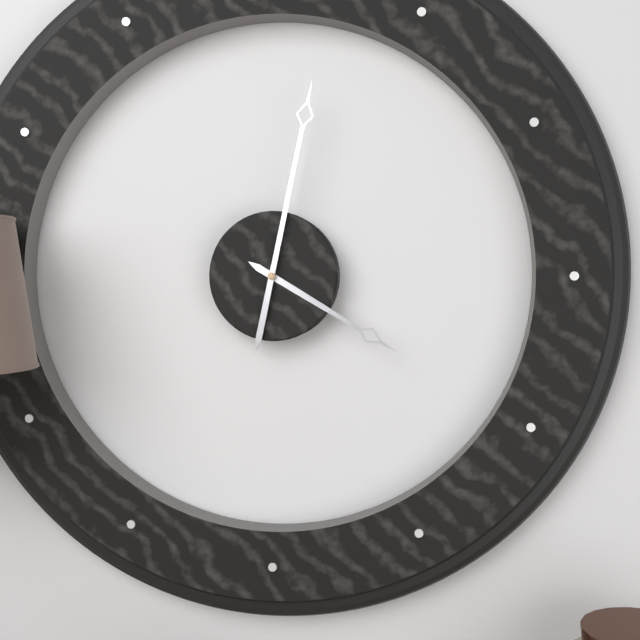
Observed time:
h=4 m=2
